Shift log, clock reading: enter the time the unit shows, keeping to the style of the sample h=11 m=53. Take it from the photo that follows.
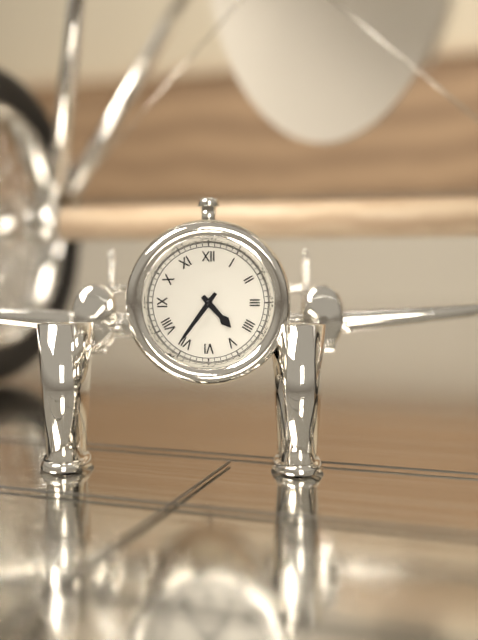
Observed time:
h=4 m=36
